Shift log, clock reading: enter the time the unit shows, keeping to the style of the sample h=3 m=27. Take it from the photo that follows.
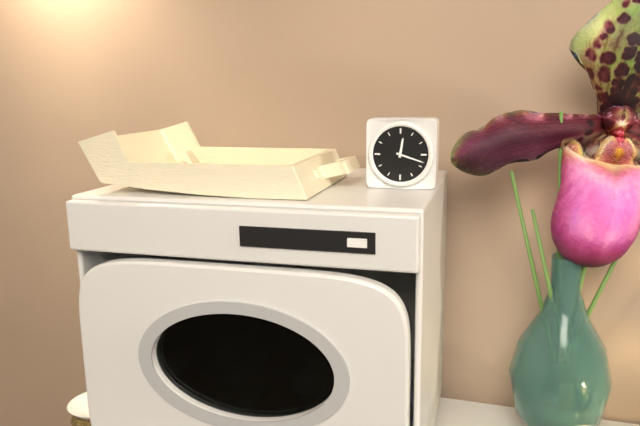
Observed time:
h=12 m=18
